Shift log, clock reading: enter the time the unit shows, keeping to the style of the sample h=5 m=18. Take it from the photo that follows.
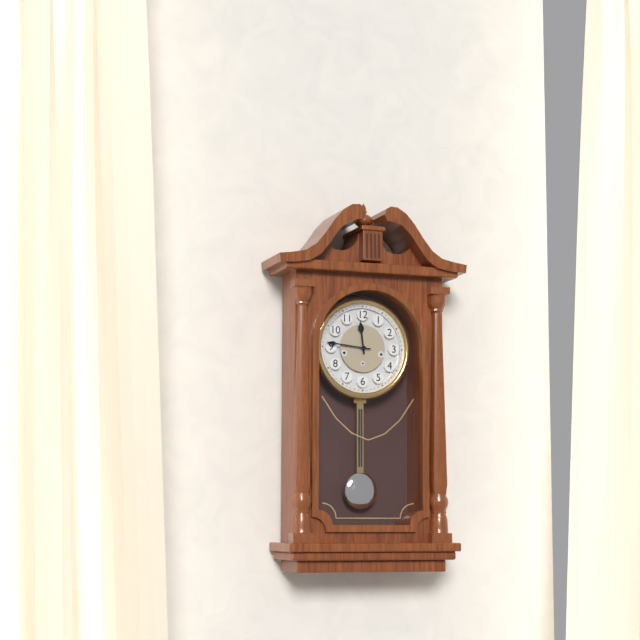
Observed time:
h=11 m=46
